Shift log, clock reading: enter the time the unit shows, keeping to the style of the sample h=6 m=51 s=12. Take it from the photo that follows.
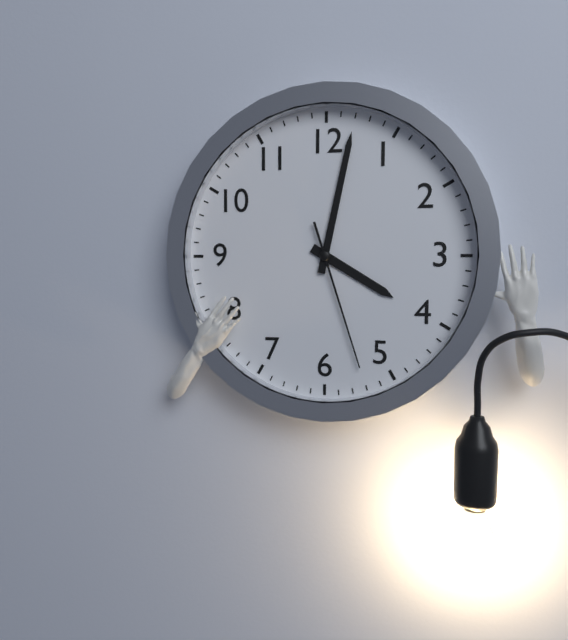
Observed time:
h=4 m=2 s=27
